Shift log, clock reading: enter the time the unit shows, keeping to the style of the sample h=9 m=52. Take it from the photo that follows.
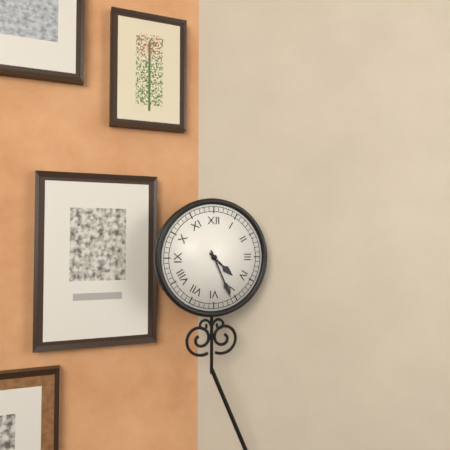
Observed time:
h=4 m=26
